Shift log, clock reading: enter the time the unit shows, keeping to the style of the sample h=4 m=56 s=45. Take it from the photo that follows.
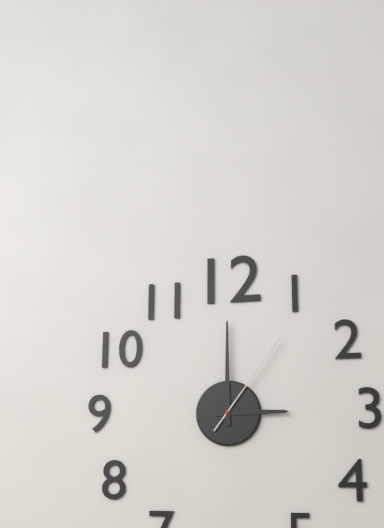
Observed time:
h=3 m=0 s=6
